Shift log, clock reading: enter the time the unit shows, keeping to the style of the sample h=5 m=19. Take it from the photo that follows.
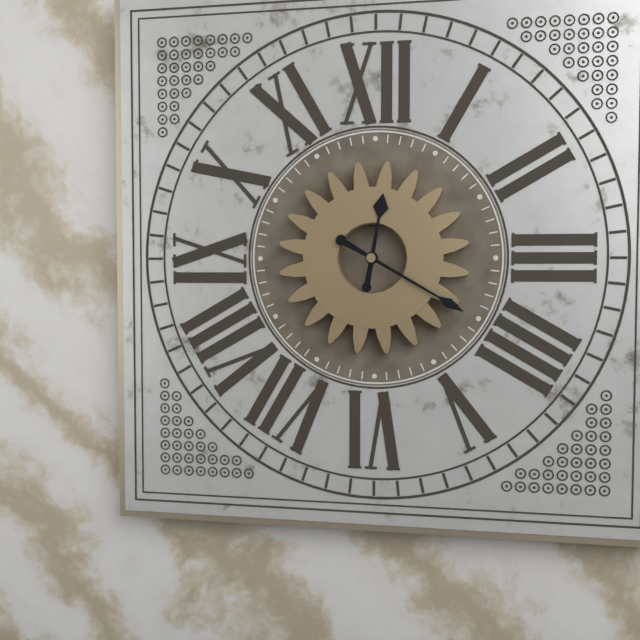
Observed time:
h=12 m=20
